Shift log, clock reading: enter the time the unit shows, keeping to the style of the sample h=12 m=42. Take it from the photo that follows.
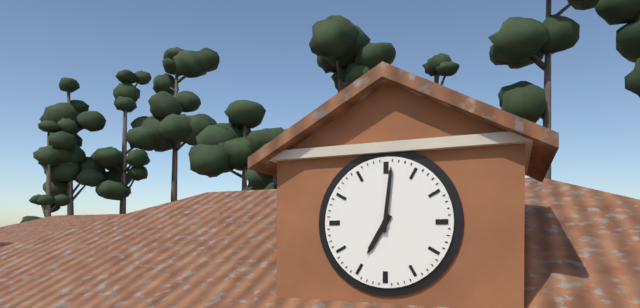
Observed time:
h=7 m=1
